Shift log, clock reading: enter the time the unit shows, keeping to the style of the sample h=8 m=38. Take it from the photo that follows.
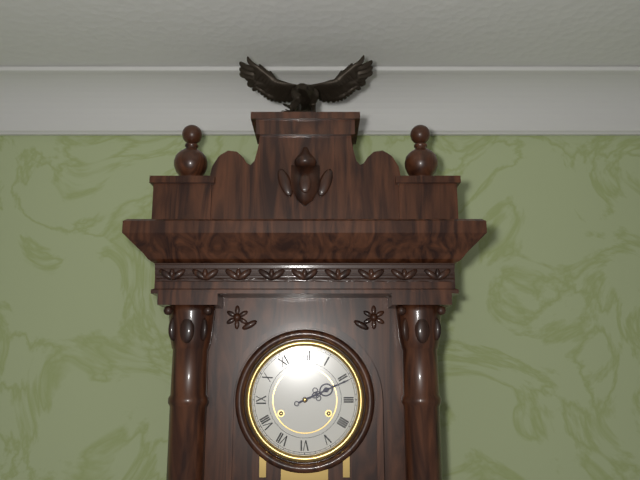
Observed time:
h=2 m=11
